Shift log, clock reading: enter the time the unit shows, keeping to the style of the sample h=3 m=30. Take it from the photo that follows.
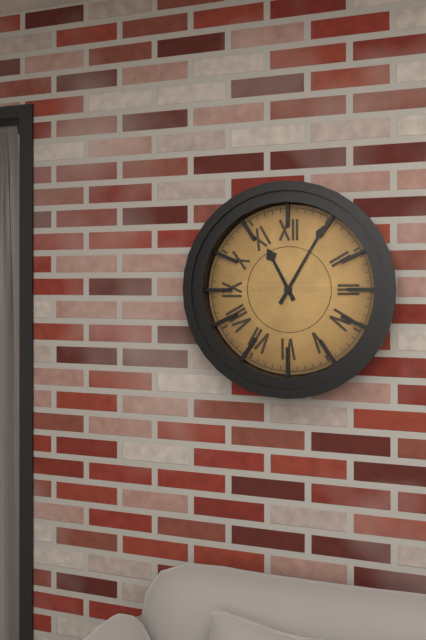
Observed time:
h=11 m=5
